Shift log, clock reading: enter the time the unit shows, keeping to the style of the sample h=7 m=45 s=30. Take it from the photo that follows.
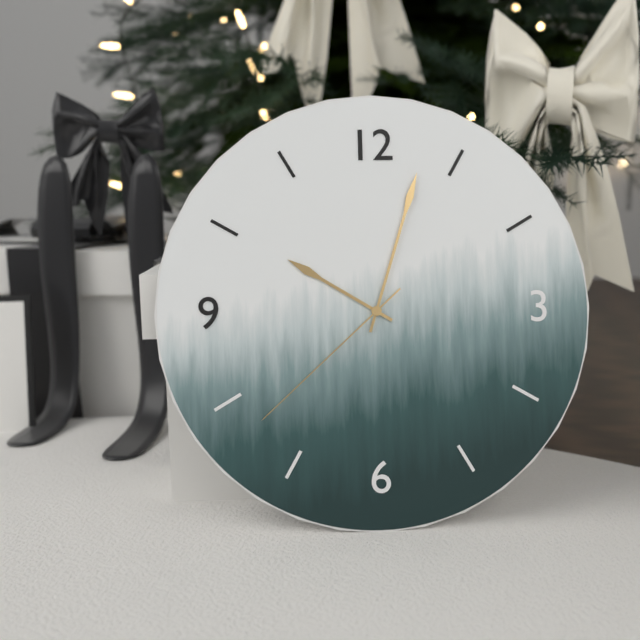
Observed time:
h=10 m=3 s=38
